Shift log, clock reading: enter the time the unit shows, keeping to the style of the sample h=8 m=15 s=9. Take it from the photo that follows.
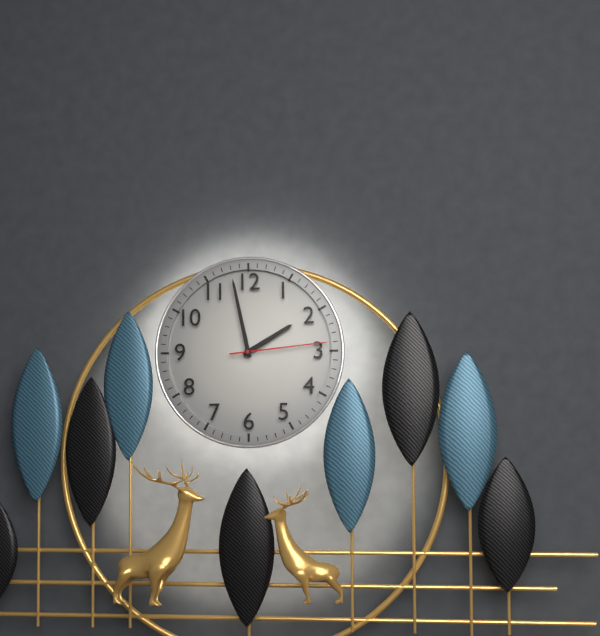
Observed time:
h=1 m=58 s=14
